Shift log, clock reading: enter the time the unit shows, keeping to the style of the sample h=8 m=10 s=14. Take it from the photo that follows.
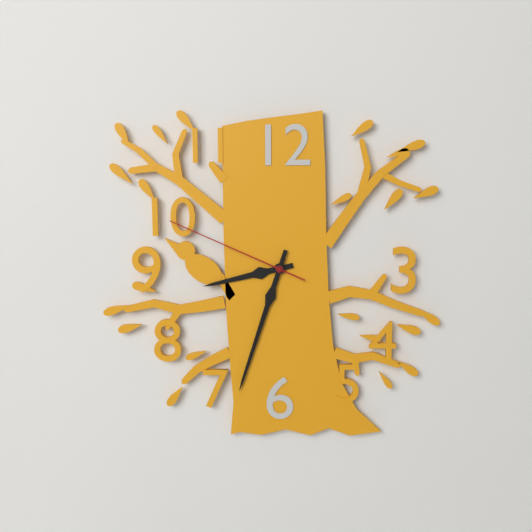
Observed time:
h=8 m=33 s=49
